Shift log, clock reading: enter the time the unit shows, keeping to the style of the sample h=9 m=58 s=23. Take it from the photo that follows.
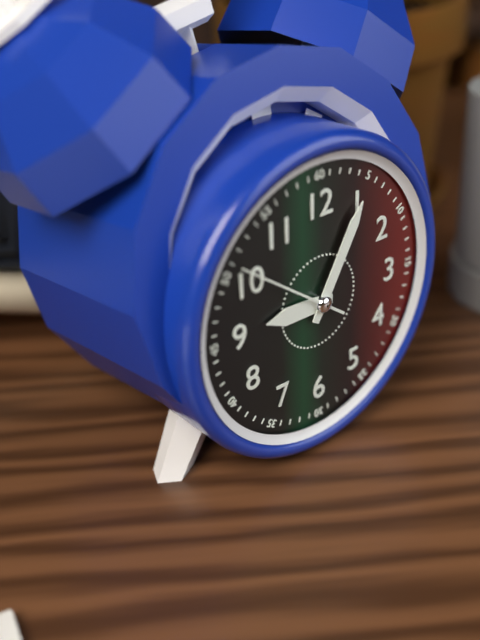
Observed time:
h=9 m=5 s=51
